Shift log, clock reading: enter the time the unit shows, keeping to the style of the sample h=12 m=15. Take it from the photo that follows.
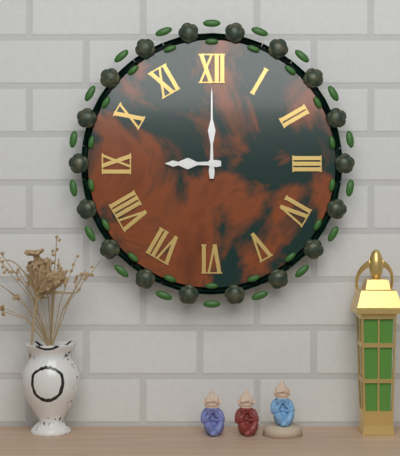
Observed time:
h=9 m=0
